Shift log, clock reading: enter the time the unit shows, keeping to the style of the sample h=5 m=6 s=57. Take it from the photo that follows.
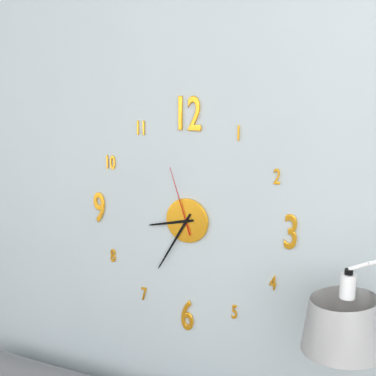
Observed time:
h=8 m=35 s=57
